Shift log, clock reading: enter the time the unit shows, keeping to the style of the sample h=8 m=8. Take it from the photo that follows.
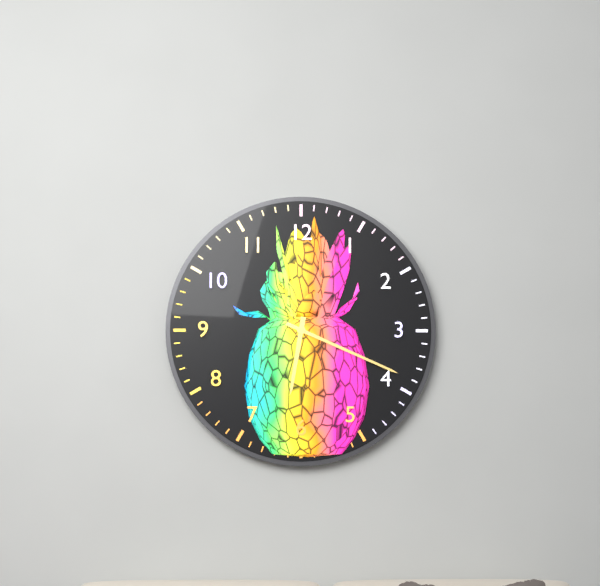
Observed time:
h=6 m=19
